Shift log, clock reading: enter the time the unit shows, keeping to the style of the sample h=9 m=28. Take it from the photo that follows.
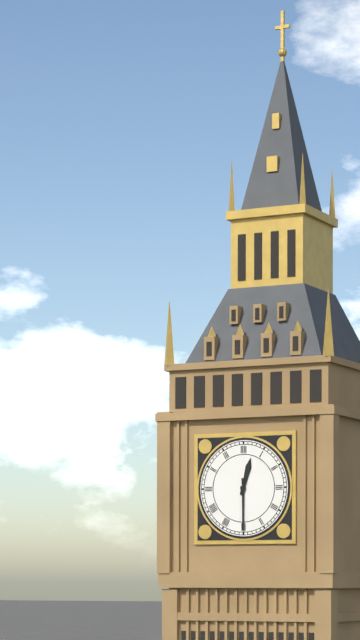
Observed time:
h=12 m=30
